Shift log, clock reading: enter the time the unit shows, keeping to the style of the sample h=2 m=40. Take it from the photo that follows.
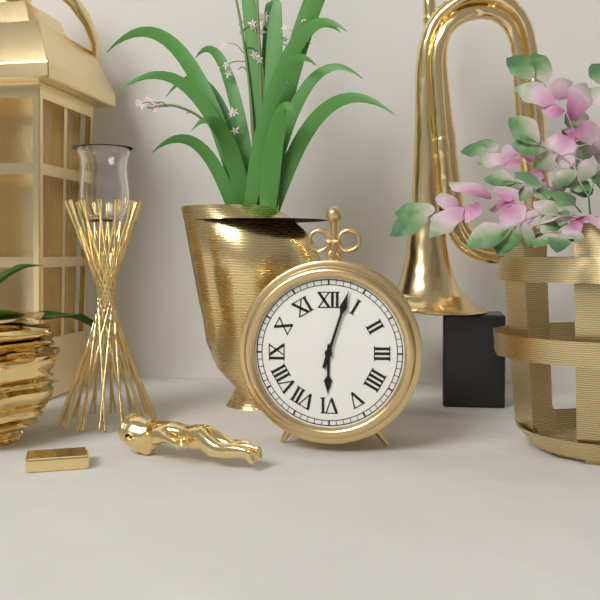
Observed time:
h=6 m=3
